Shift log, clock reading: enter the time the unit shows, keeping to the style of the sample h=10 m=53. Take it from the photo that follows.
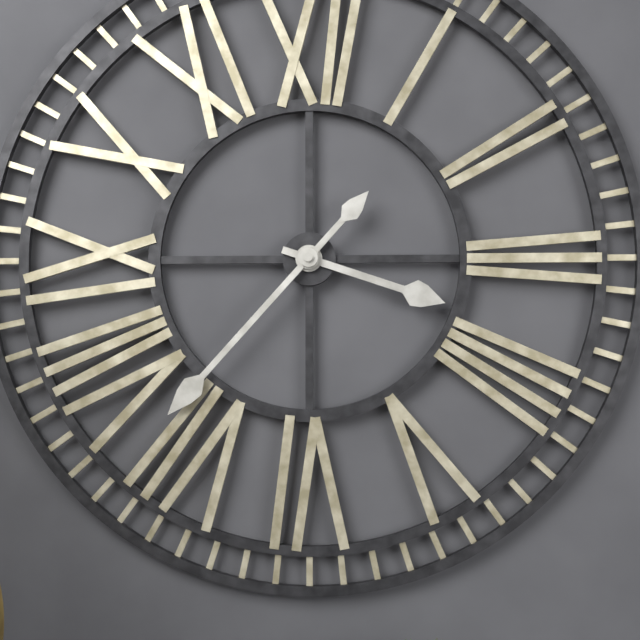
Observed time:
h=3 m=37
